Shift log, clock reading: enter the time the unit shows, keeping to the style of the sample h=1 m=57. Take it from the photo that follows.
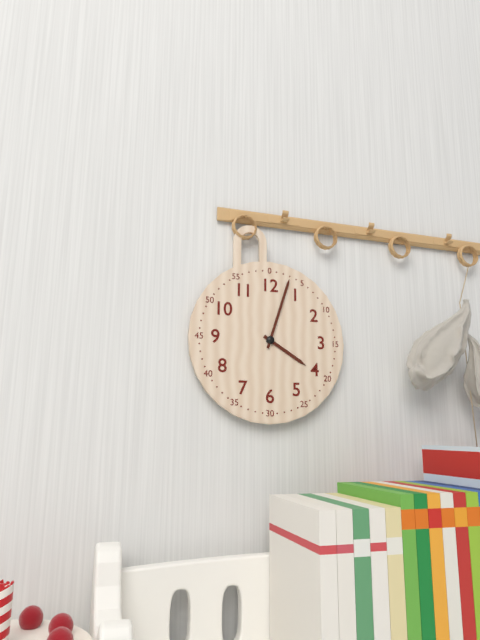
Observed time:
h=4 m=3
